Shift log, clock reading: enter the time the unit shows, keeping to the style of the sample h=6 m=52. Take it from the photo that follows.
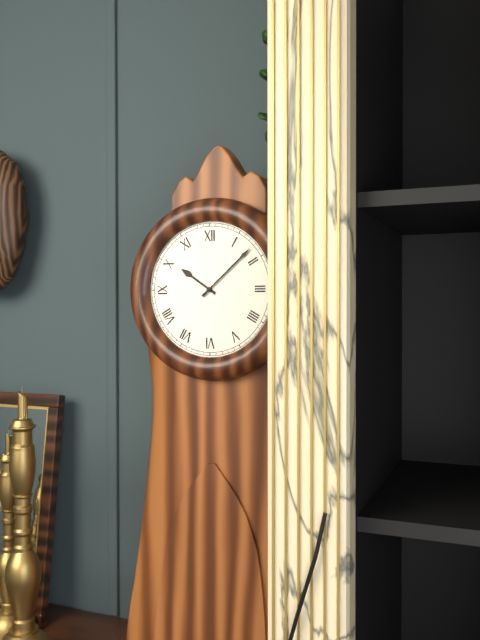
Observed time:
h=10 m=8
